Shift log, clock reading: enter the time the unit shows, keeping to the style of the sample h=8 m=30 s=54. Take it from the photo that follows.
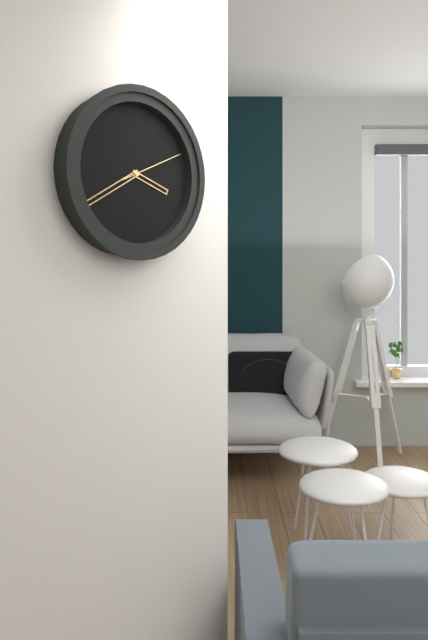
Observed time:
h=3 m=40 s=11
